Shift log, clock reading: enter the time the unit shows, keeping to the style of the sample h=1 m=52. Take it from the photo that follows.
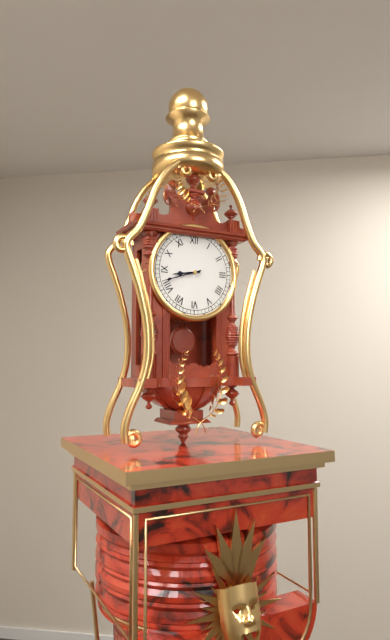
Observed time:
h=8 m=42
